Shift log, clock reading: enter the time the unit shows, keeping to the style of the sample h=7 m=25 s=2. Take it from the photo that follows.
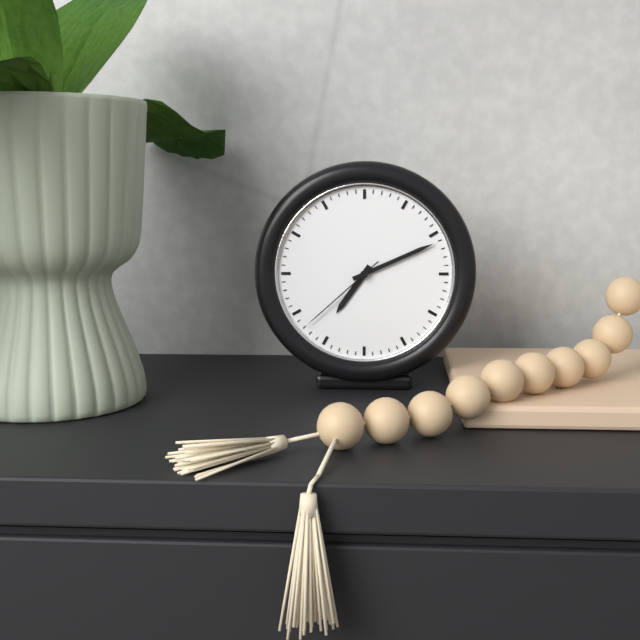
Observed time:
h=7 m=11 s=38
